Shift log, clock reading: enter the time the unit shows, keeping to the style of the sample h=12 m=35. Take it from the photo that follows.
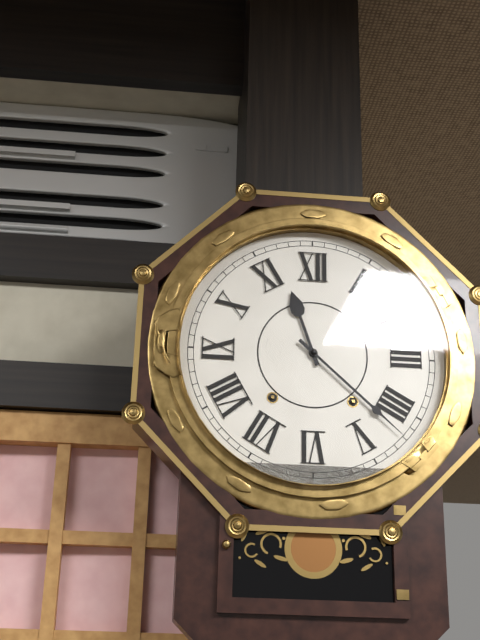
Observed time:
h=11 m=22
